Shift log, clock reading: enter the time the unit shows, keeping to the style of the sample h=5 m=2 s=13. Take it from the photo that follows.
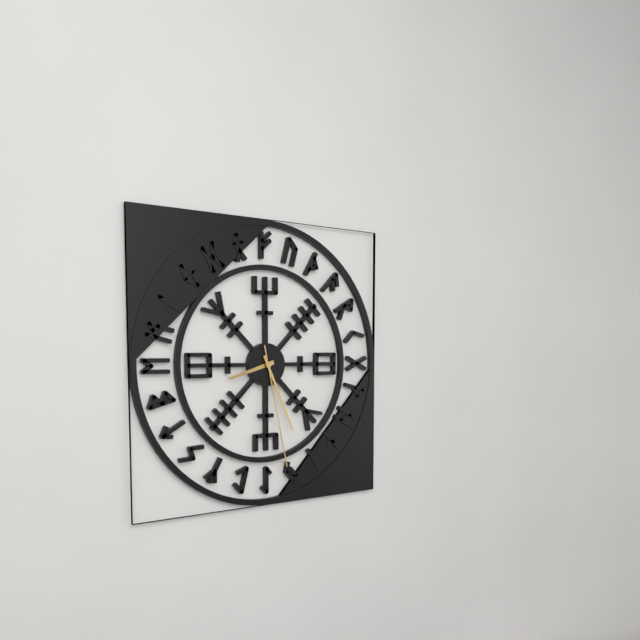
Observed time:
h=8 m=26 s=28
